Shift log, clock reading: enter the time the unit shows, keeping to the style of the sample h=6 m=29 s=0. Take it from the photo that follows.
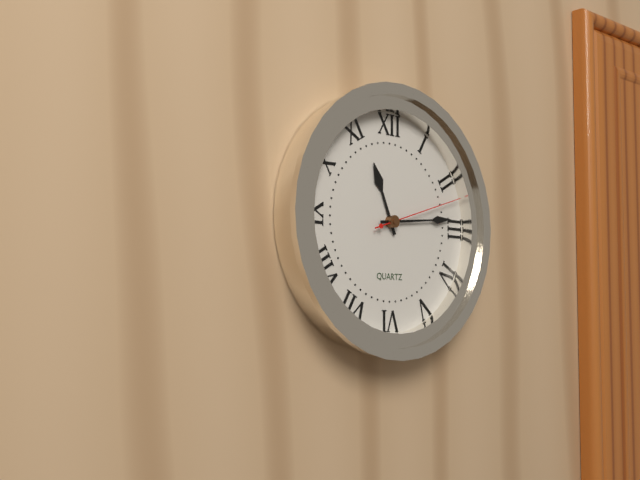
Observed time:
h=11 m=14 s=12
